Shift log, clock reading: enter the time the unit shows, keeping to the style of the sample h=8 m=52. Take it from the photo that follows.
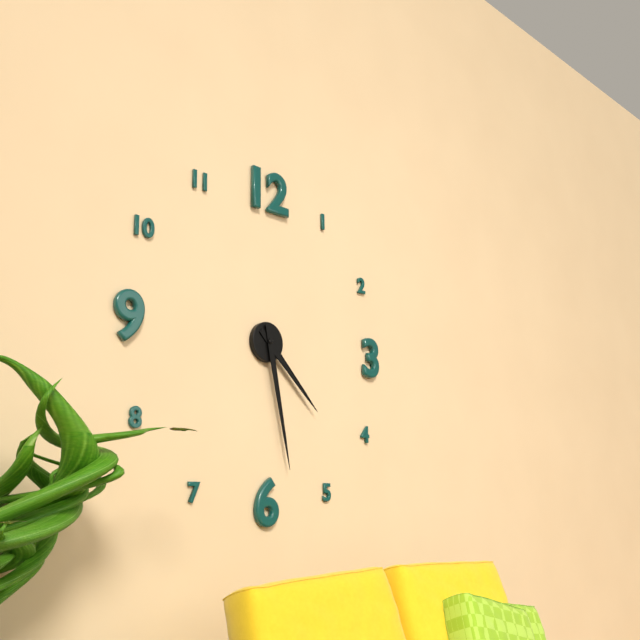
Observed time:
h=4 m=28
